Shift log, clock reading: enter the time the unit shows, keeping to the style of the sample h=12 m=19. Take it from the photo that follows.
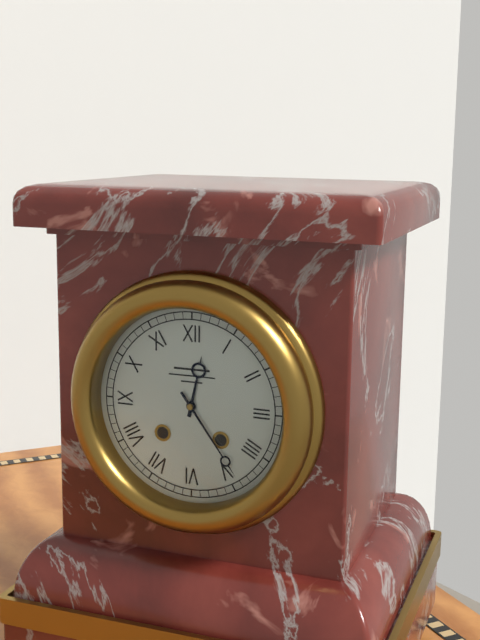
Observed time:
h=12 m=24
